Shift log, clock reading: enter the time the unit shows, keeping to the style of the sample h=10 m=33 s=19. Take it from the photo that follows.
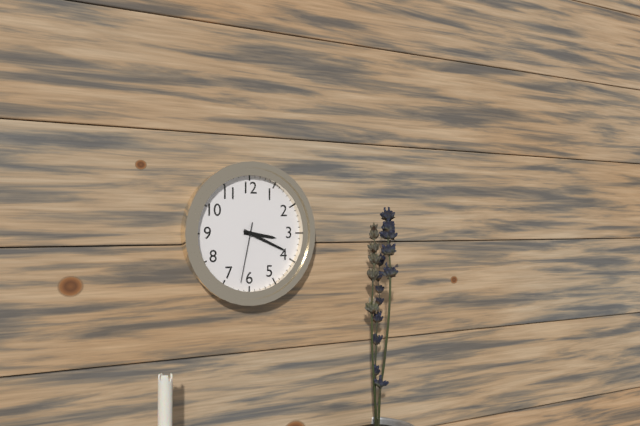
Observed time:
h=3 m=19 s=32
